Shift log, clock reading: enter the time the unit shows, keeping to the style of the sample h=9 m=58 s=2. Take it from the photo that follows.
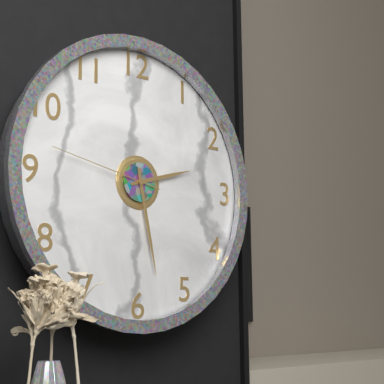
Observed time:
h=2 m=28 s=47
